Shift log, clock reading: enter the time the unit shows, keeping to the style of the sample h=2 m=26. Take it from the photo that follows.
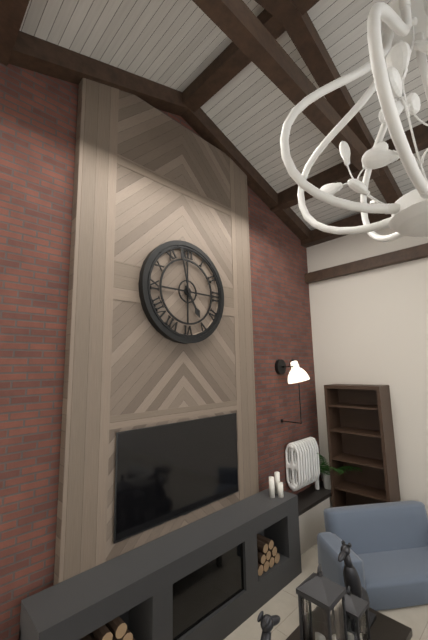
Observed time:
h=4 m=58
